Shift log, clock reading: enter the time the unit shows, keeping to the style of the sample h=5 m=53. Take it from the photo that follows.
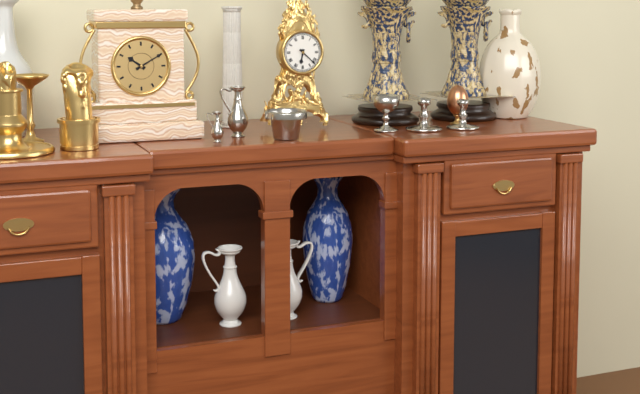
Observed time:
h=6 m=22
